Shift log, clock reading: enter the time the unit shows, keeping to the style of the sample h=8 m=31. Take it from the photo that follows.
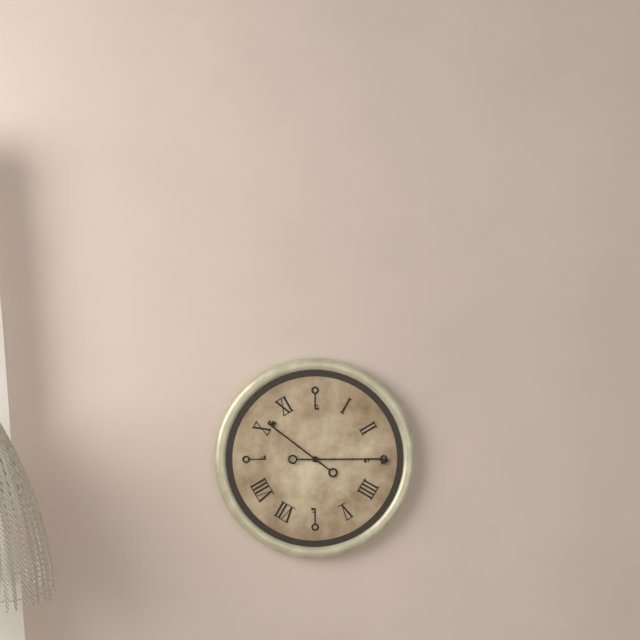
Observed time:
h=10 m=15
